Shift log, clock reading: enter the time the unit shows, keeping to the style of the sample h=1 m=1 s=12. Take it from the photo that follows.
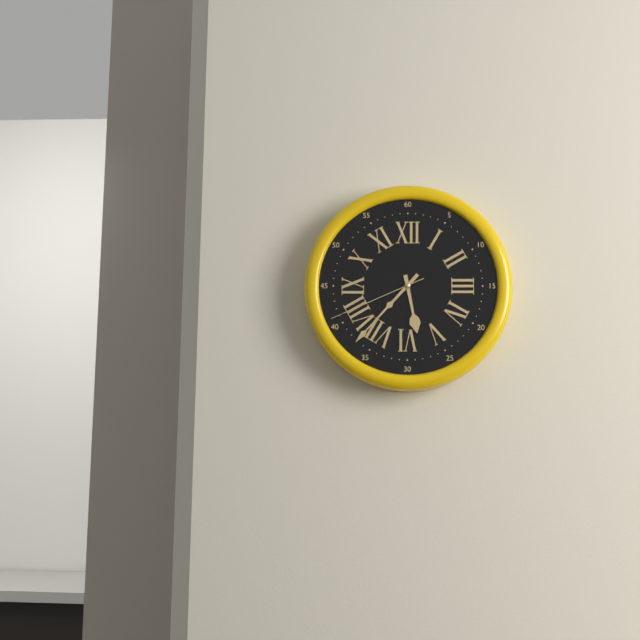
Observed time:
h=5 m=37 s=41
